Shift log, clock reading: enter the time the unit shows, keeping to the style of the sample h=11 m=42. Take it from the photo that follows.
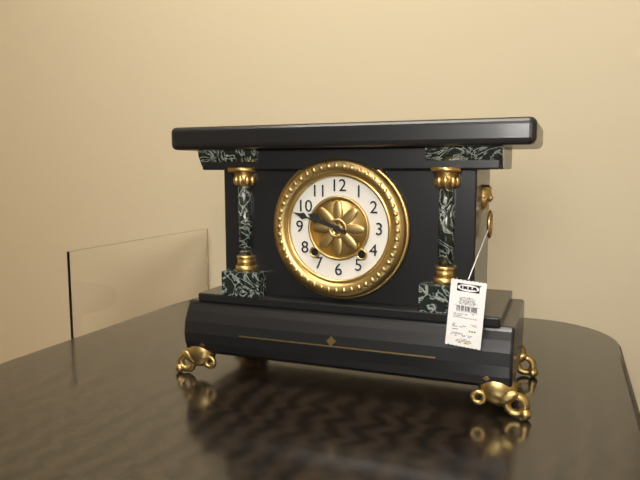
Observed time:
h=9 m=48
